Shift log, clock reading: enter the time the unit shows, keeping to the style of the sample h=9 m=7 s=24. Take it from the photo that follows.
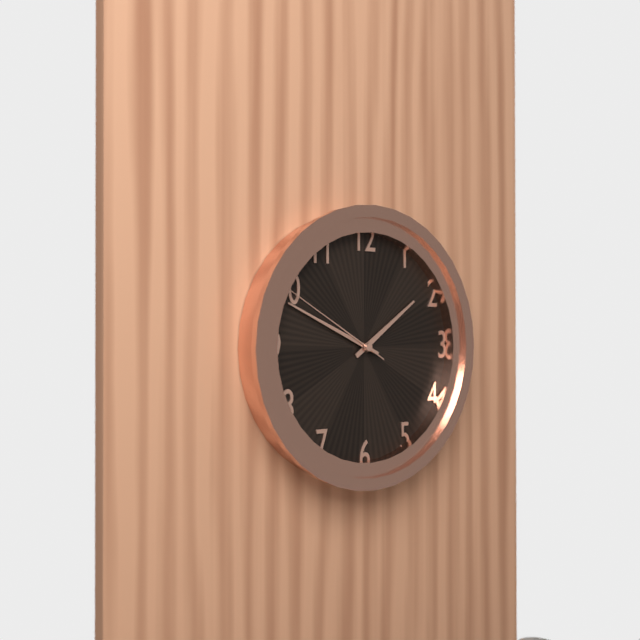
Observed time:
h=1 m=49 s=50
